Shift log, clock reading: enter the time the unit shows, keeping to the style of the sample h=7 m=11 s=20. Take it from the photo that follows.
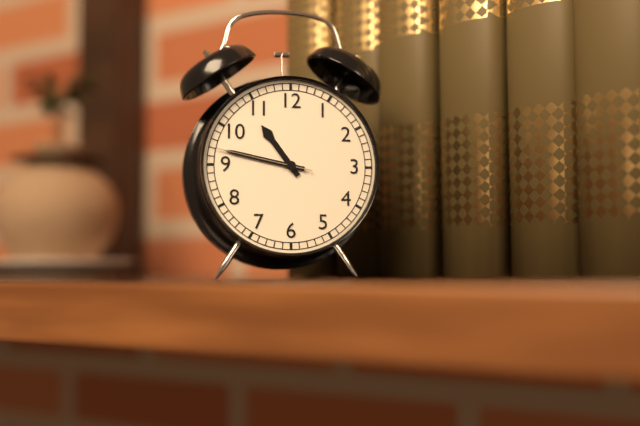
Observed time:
h=10 m=47 s=47
